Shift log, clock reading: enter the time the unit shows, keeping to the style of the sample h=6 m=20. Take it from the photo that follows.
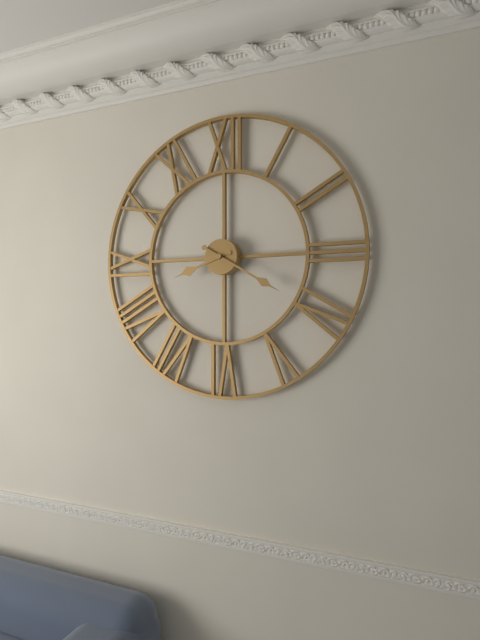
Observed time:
h=8 m=20
